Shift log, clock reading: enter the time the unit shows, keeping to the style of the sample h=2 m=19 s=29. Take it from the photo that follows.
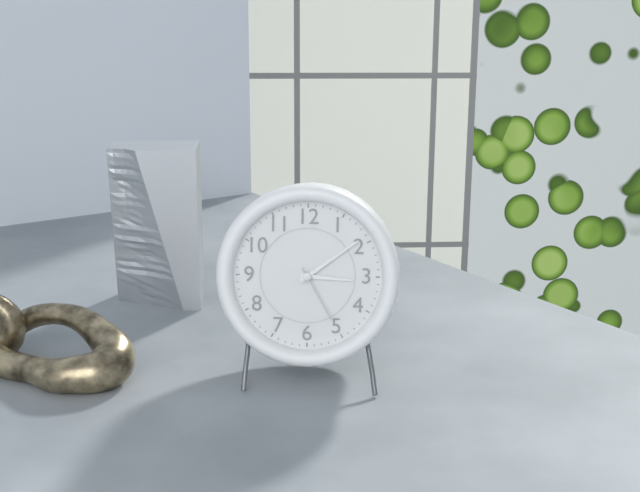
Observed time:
h=3 m=9 s=25
